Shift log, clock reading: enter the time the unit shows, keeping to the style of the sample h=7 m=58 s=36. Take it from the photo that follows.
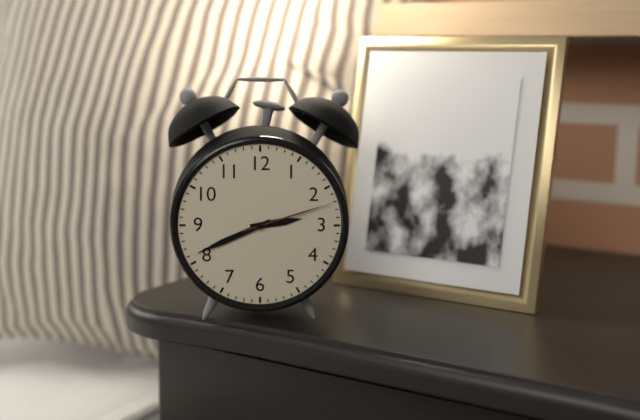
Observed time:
h=2 m=41 s=12
